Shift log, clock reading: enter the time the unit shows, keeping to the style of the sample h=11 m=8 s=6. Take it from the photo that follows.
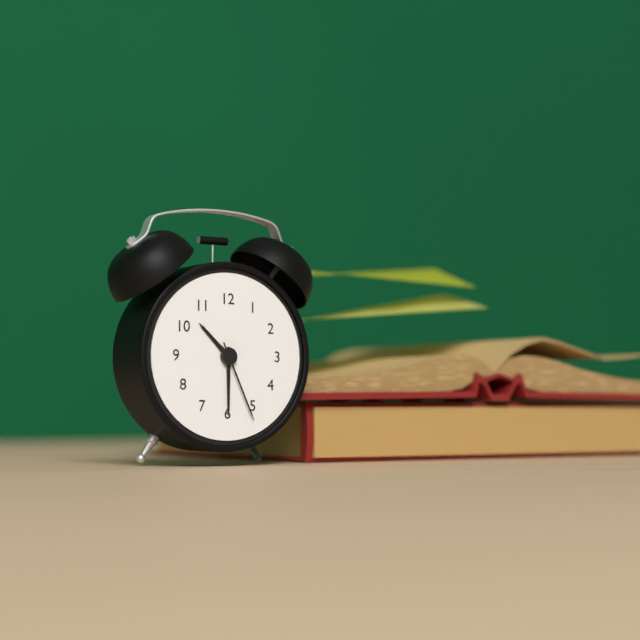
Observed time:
h=10 m=30 s=26
